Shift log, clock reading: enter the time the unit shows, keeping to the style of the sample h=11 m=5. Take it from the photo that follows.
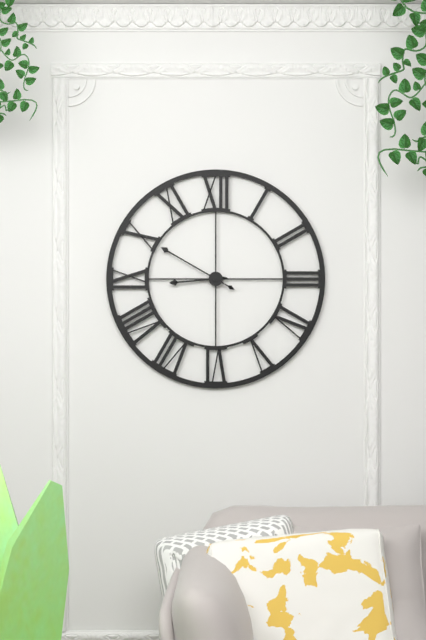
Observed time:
h=8 m=50
